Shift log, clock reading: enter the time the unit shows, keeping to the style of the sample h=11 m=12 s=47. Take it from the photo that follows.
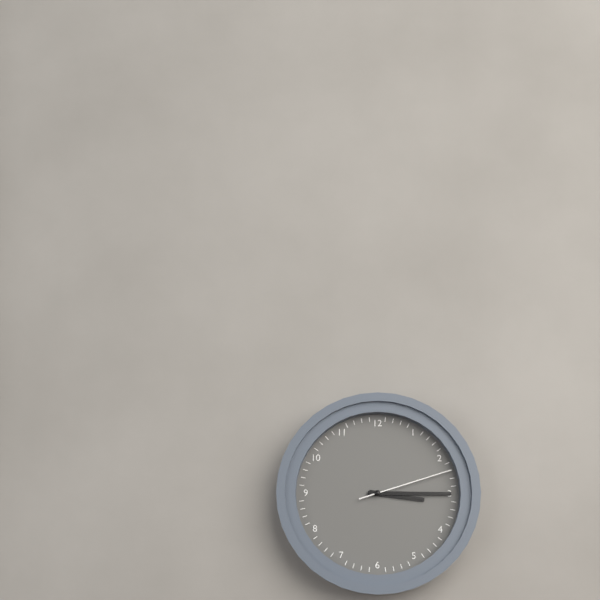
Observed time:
h=3 m=15 s=12
